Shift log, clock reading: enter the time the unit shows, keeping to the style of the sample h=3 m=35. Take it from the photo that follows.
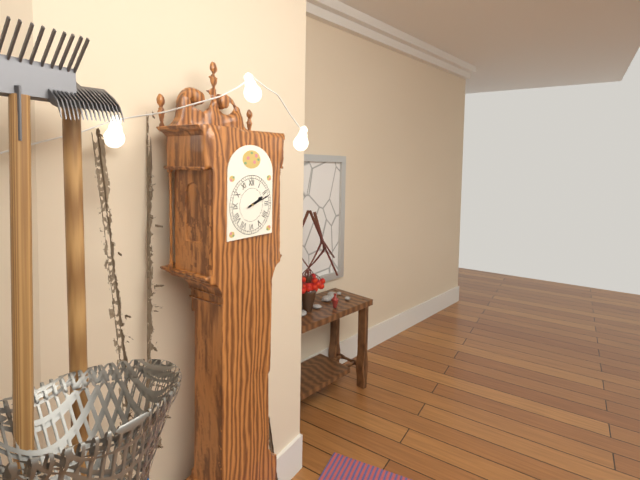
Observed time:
h=2 m=12
